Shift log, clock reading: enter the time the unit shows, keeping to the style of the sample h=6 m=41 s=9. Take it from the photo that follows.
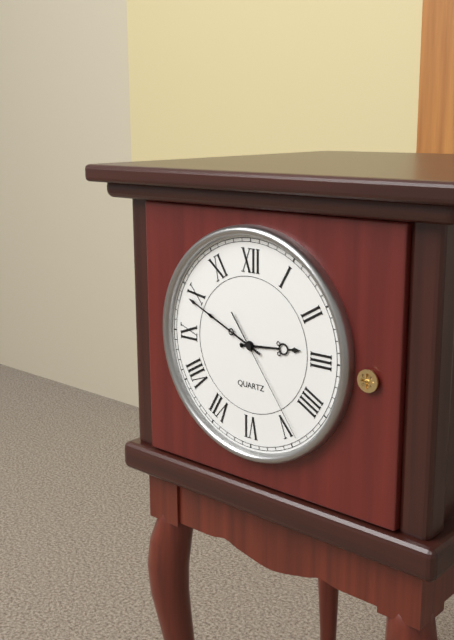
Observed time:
h=2 m=49 s=24
